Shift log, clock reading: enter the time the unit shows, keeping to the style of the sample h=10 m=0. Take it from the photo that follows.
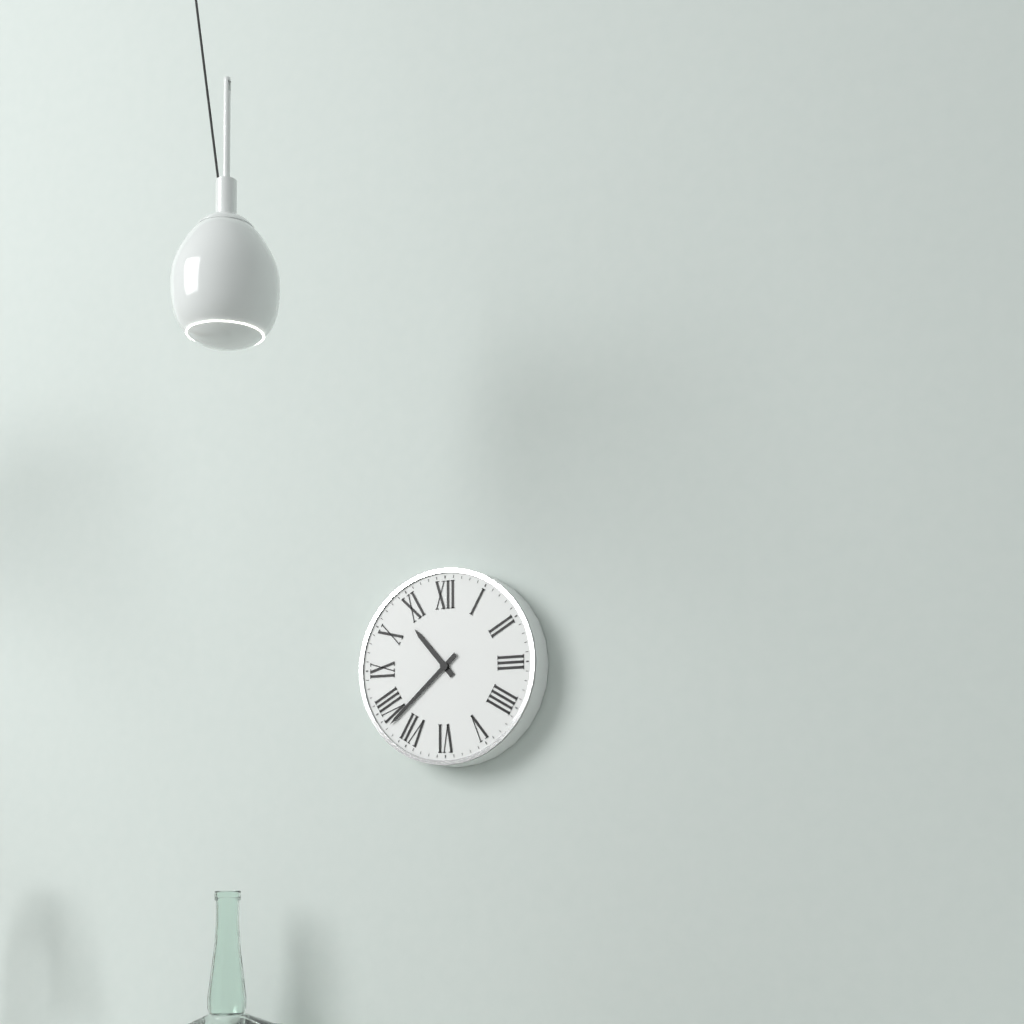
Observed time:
h=10 m=38
